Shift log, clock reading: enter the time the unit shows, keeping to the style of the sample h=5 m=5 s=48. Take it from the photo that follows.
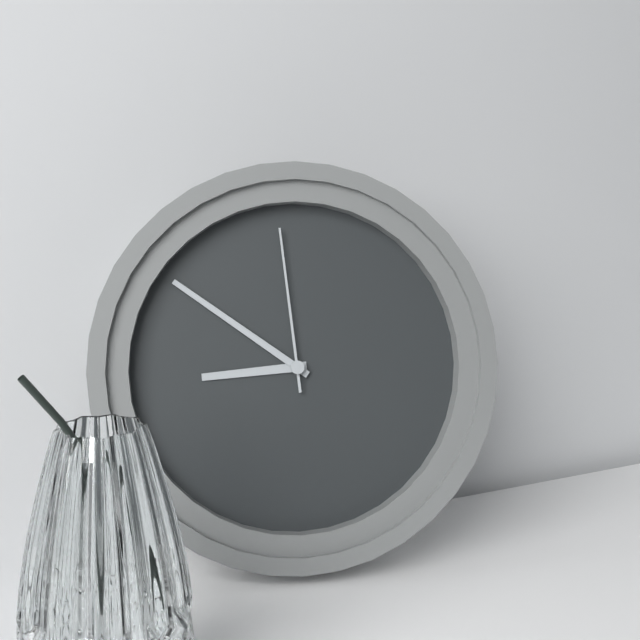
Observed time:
h=8 m=51 s=59
